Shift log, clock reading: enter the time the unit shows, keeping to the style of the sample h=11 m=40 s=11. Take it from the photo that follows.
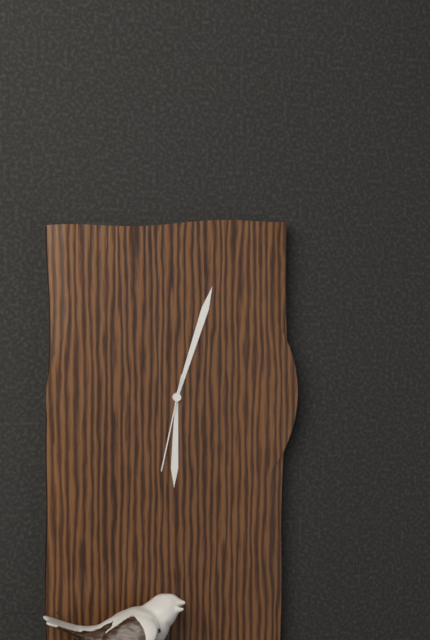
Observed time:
h=6 m=3 s=32
